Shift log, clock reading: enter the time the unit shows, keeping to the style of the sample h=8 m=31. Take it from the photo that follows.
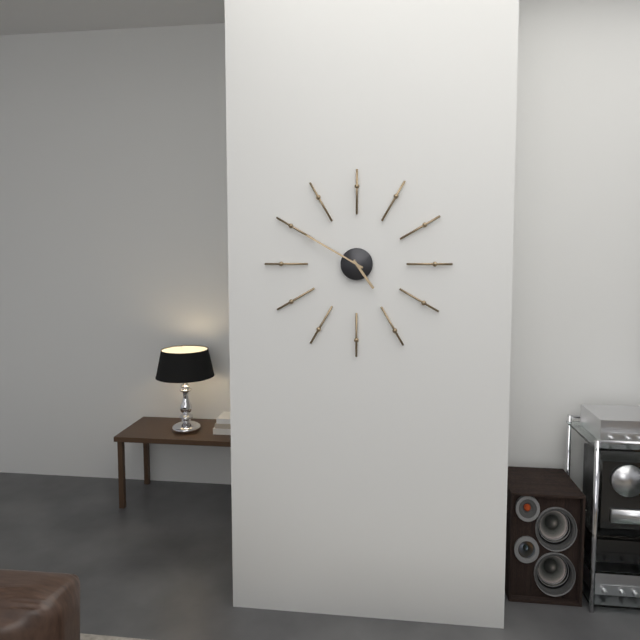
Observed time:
h=4 m=50
